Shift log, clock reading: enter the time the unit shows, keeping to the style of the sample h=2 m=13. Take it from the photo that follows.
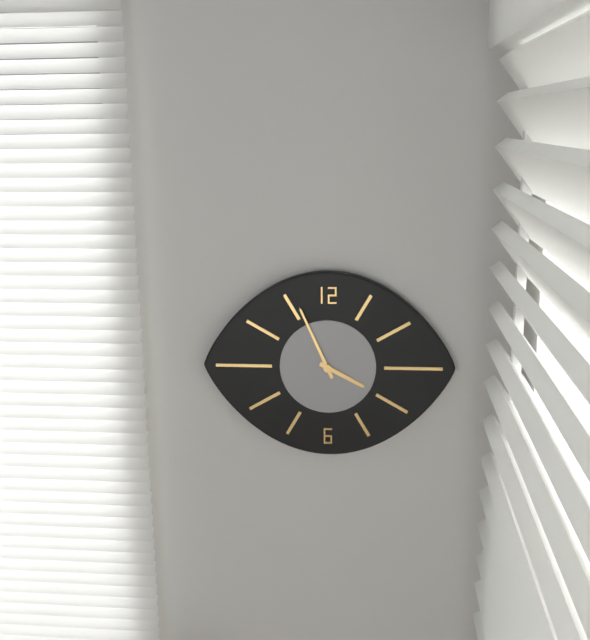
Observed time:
h=3 m=56
